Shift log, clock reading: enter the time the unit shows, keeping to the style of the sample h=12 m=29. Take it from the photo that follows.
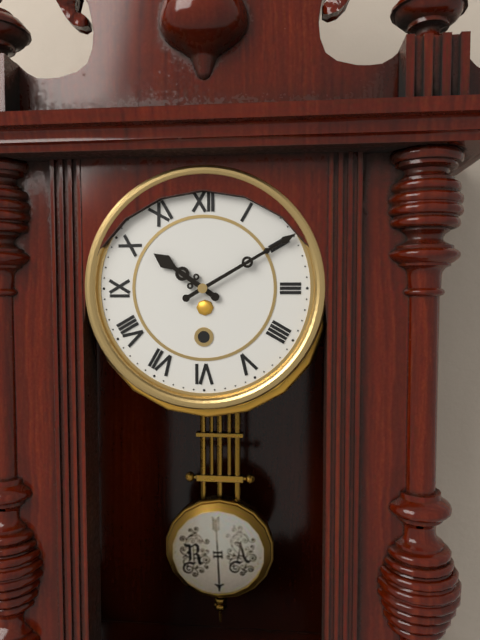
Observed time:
h=10 m=10
